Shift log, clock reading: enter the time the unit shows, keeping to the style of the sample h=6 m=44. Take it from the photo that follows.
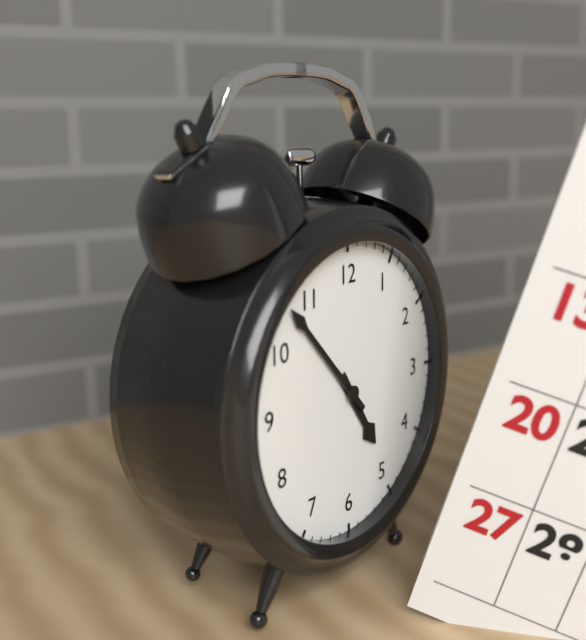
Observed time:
h=4 m=53
